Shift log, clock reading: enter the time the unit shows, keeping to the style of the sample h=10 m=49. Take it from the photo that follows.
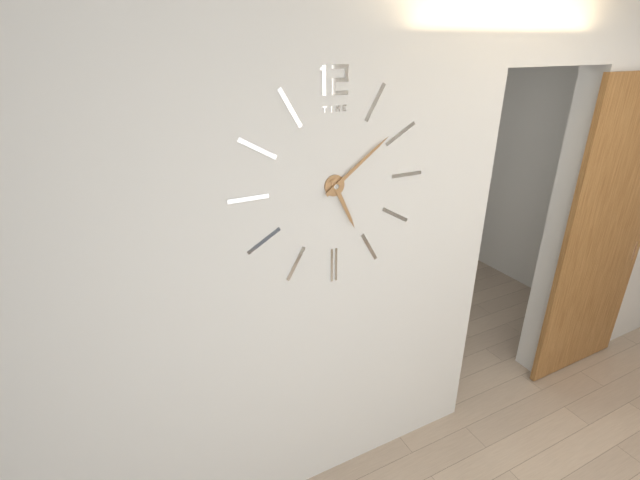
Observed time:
h=5 m=9
